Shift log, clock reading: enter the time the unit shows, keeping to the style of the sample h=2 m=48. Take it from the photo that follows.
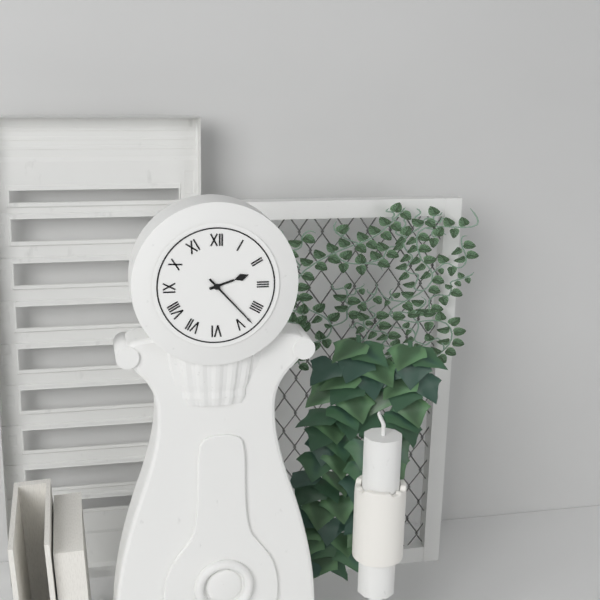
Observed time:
h=2 m=23
